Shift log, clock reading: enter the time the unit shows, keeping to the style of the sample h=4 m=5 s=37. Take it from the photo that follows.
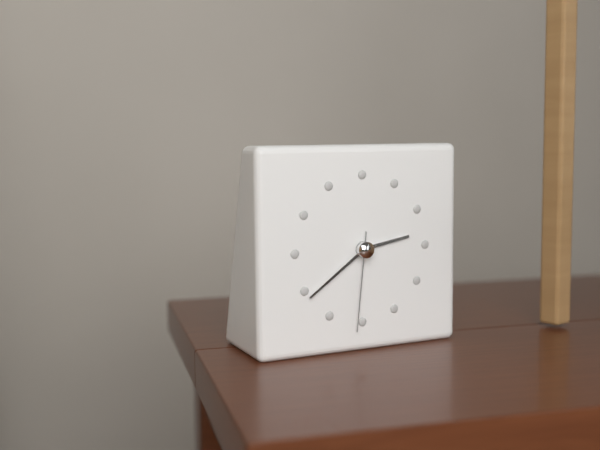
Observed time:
h=2 m=39 s=31
